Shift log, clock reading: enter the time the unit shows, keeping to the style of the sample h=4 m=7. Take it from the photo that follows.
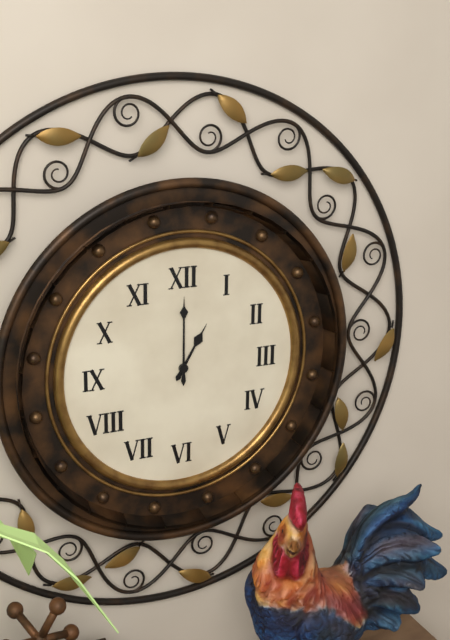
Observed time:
h=1 m=0
